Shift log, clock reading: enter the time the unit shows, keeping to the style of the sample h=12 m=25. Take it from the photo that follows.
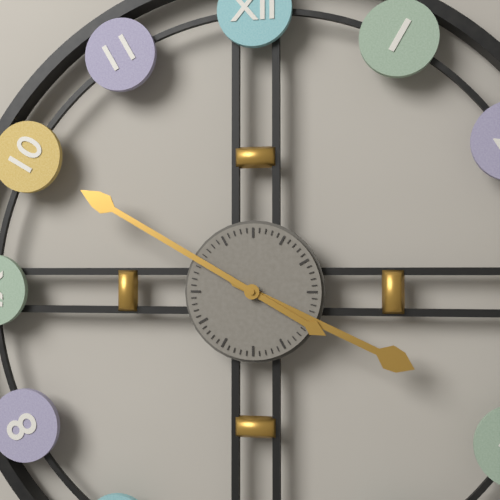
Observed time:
h=3 m=50
